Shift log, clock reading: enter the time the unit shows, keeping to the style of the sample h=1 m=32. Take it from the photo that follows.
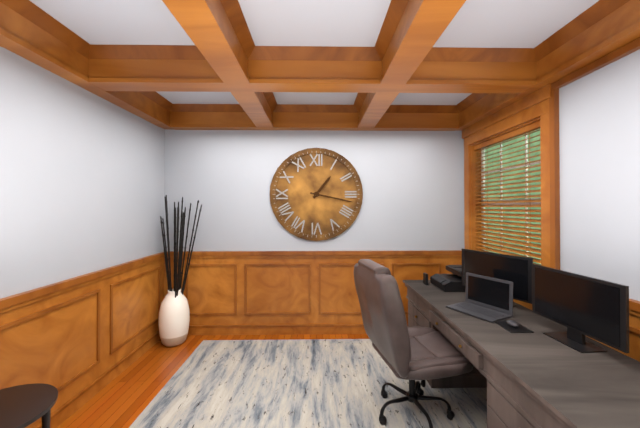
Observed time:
h=1 m=17
